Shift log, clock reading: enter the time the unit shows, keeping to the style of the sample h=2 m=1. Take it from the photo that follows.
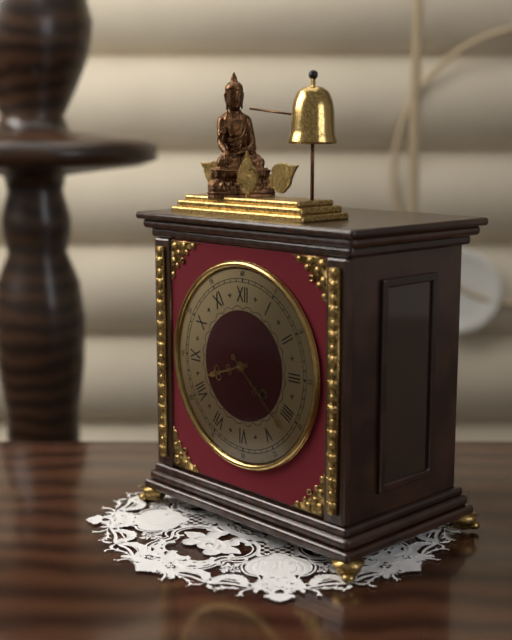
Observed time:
h=8 m=22
